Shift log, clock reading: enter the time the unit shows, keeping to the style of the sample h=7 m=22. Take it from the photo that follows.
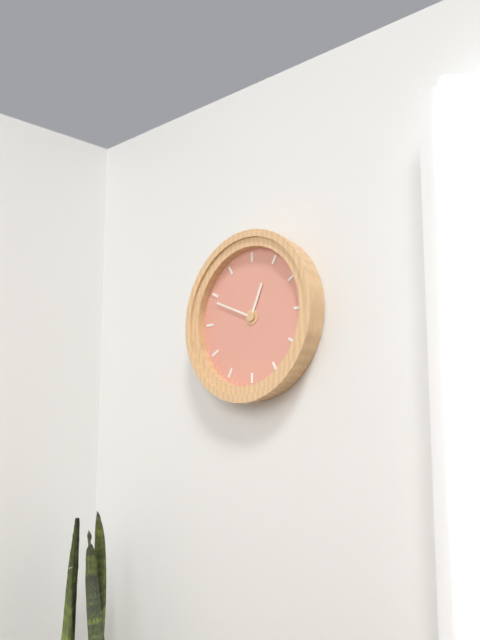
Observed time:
h=12 m=49
